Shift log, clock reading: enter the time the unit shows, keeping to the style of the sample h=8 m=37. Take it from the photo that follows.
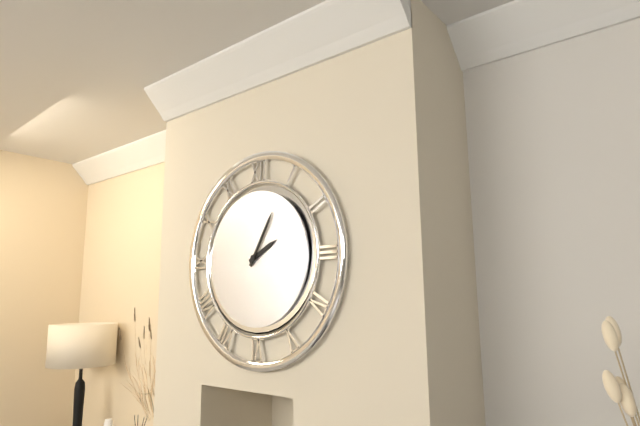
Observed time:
h=2 m=5
